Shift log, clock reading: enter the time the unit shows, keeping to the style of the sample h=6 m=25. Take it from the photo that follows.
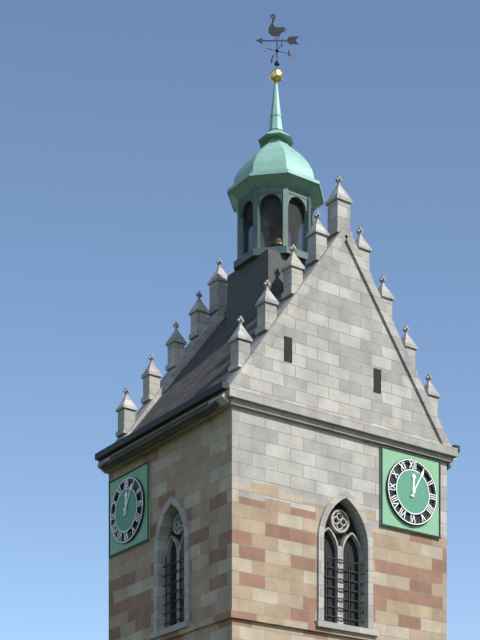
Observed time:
h=12 m=5
